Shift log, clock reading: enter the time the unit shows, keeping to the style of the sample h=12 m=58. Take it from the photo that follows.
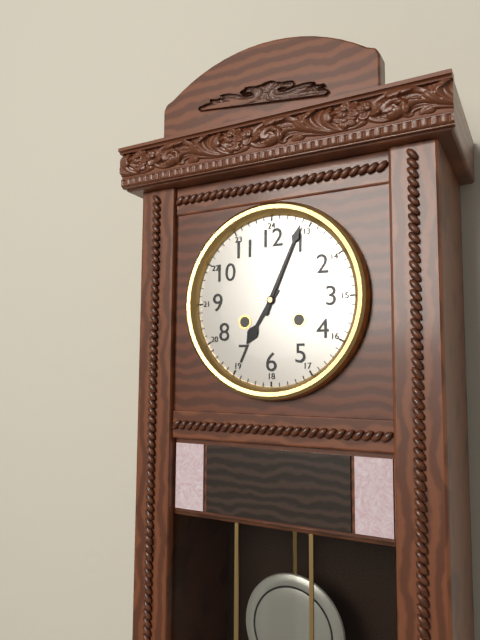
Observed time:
h=7 m=4
